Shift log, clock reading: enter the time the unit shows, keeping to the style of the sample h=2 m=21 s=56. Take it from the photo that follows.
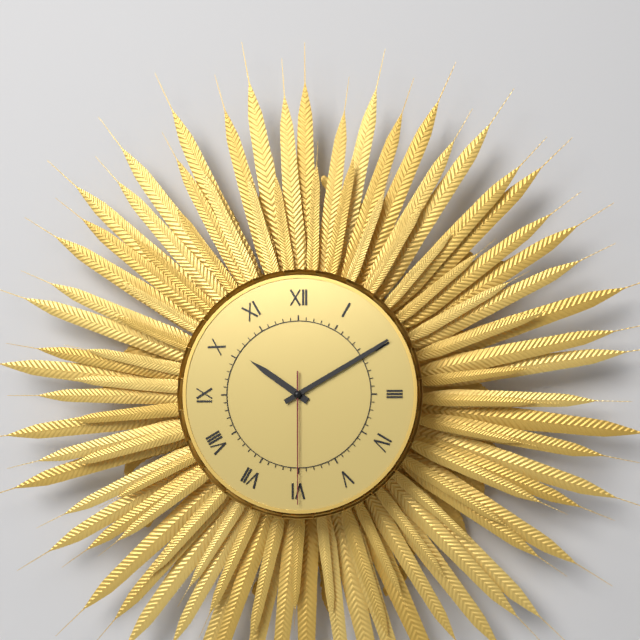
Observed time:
h=10 m=10 s=30
